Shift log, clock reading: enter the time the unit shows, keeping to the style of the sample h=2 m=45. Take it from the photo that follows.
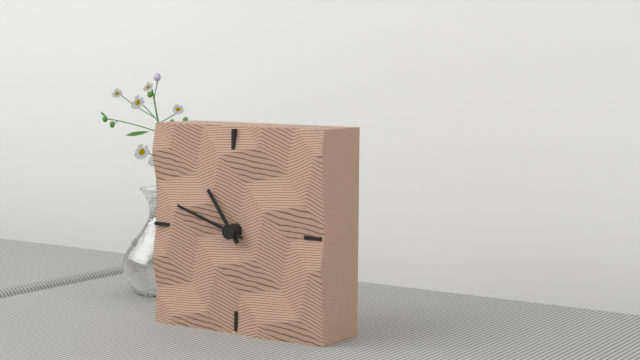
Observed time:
h=10 m=48
